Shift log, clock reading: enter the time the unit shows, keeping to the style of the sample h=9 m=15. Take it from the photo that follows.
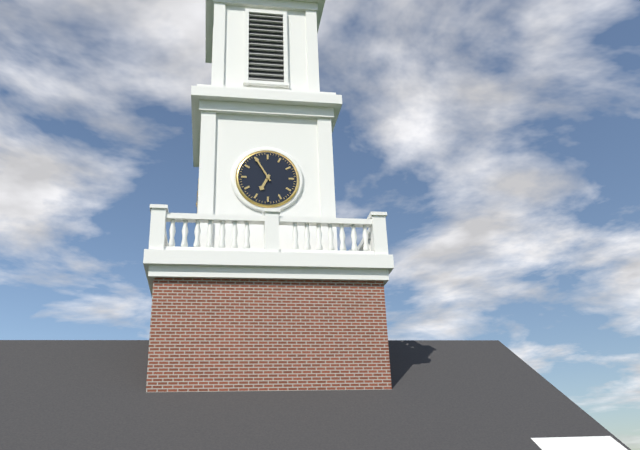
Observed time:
h=6 m=55
